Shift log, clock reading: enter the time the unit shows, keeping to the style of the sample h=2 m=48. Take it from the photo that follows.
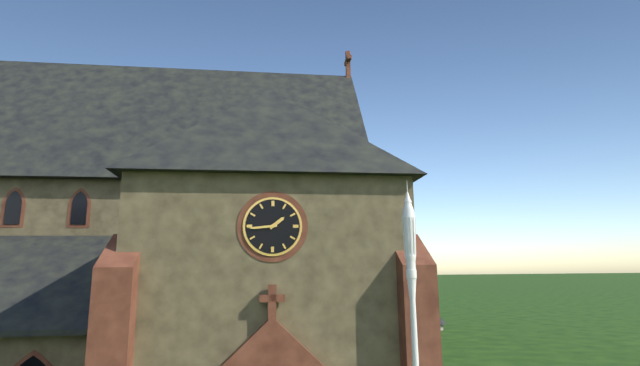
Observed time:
h=1 m=44
